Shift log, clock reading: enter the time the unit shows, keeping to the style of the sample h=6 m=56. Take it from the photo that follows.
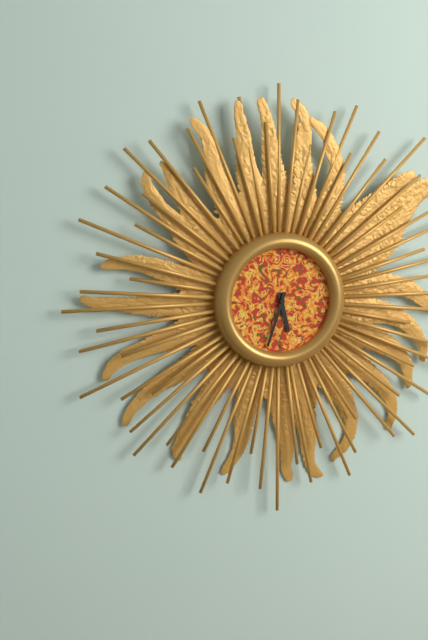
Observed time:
h=5 m=33
